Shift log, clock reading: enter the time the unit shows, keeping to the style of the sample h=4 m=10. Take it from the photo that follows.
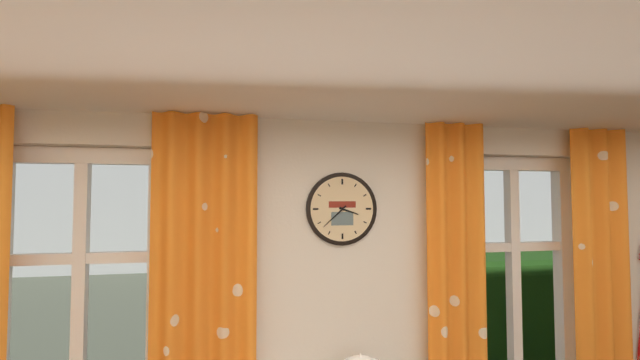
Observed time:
h=3 m=38
